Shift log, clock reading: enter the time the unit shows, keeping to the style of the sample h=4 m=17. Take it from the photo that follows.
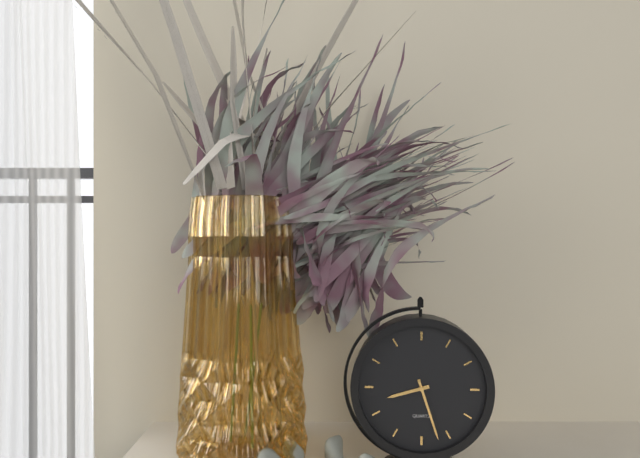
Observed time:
h=8 m=27
